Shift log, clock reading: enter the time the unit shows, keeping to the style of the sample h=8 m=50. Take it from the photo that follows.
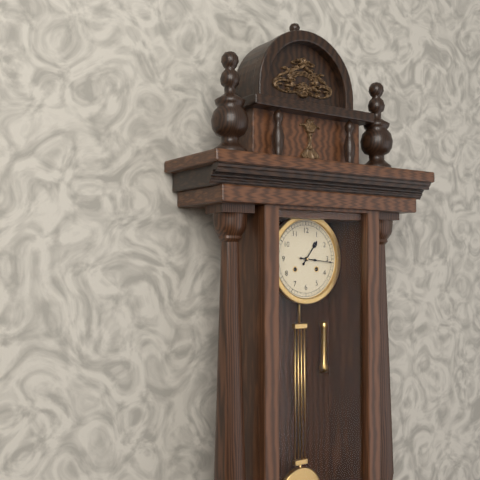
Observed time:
h=1 m=16
